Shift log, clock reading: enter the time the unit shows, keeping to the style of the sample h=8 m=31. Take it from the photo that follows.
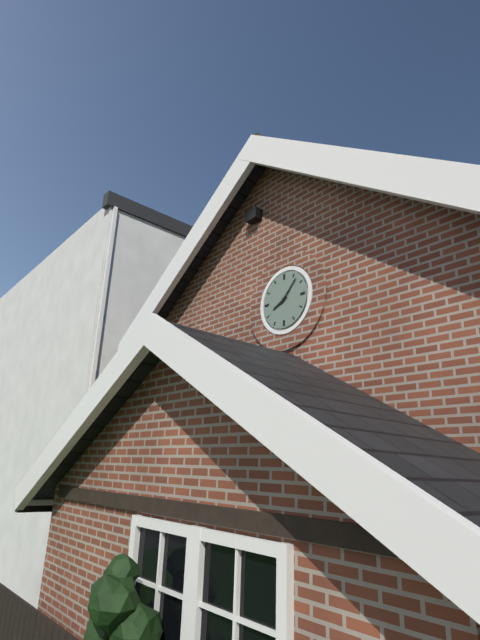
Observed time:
h=8 m=7
